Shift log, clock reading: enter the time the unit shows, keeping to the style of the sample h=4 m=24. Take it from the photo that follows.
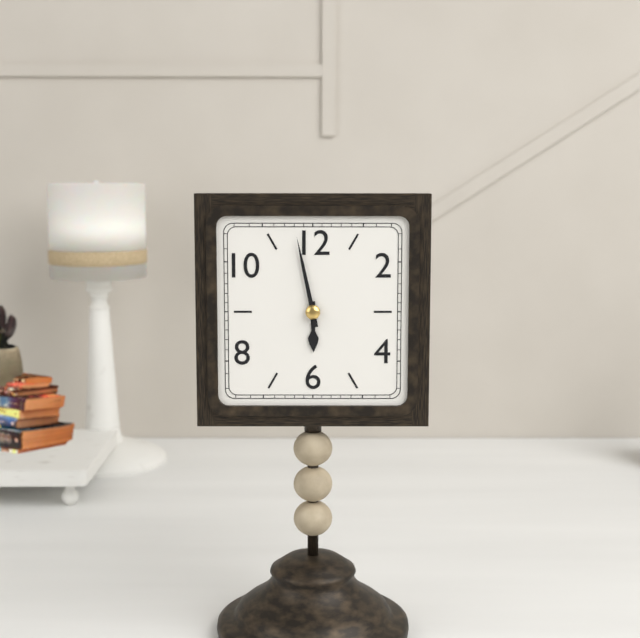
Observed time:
h=5 m=58
